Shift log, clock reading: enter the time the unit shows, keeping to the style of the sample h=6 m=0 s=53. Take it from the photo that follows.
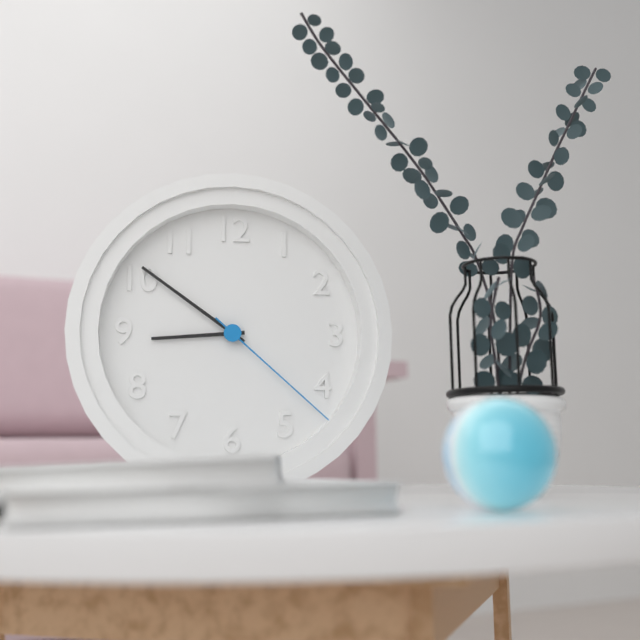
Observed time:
h=8 m=51 s=22
